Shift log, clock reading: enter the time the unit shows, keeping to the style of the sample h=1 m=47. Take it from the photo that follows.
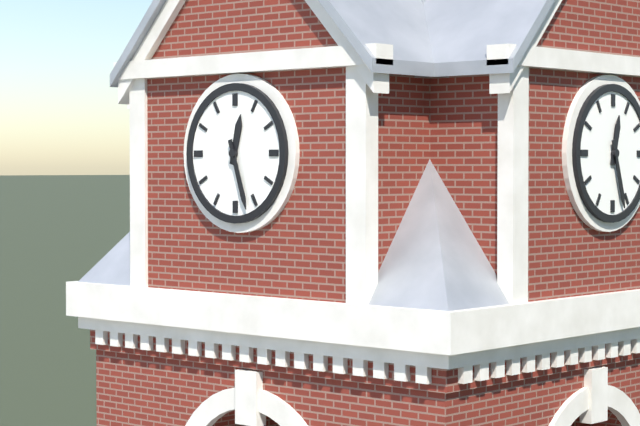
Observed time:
h=12 m=27
